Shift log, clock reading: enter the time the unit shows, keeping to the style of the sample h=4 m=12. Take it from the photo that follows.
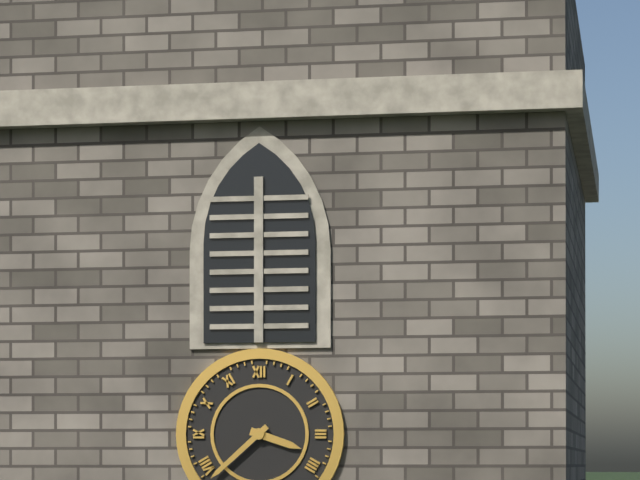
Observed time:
h=3 m=38
